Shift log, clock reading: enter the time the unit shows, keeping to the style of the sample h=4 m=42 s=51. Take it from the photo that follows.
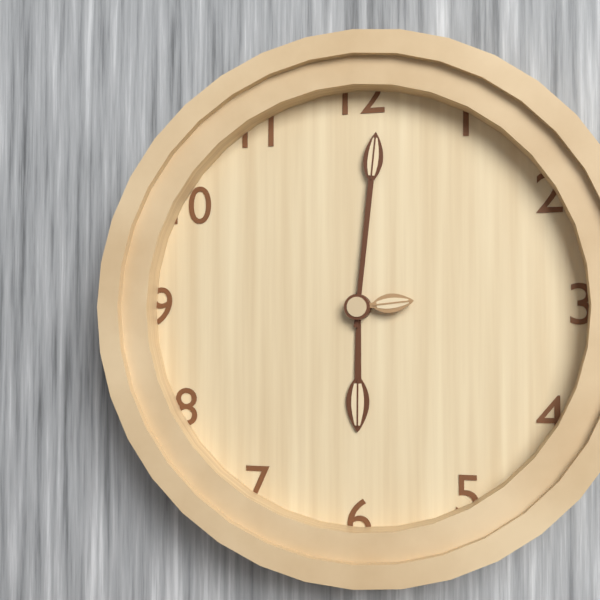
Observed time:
h=6 m=1 s=14
